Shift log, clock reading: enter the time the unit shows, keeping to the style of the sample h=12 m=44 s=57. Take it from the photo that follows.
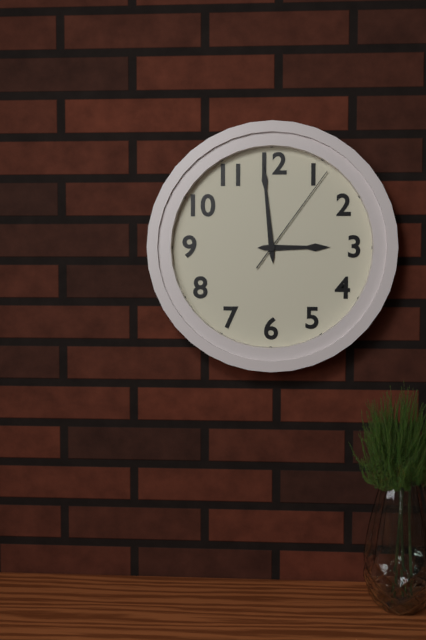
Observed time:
h=2 m=59 s=6
